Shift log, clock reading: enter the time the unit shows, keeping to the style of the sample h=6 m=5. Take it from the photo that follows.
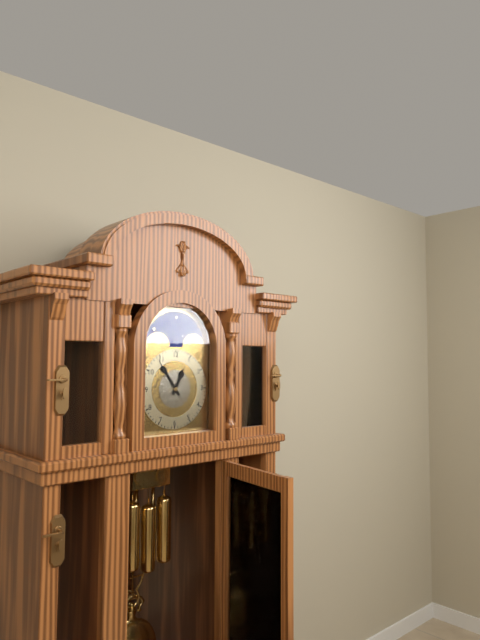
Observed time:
h=12 m=54
